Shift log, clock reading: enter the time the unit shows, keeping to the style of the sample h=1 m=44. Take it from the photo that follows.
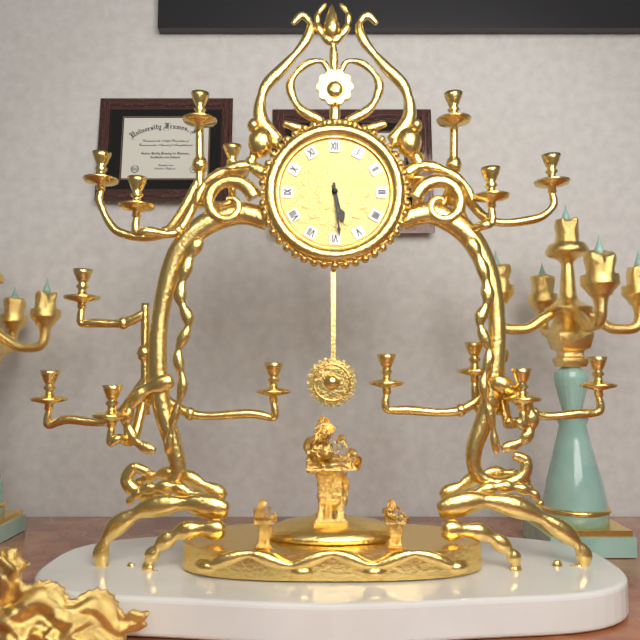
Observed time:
h=5 m=29
